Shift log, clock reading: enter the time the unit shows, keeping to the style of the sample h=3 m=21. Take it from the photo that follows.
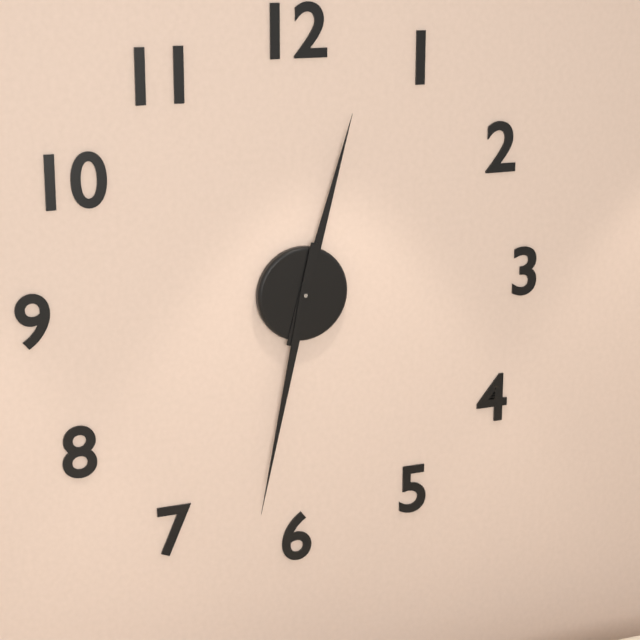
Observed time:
h=12 m=32
